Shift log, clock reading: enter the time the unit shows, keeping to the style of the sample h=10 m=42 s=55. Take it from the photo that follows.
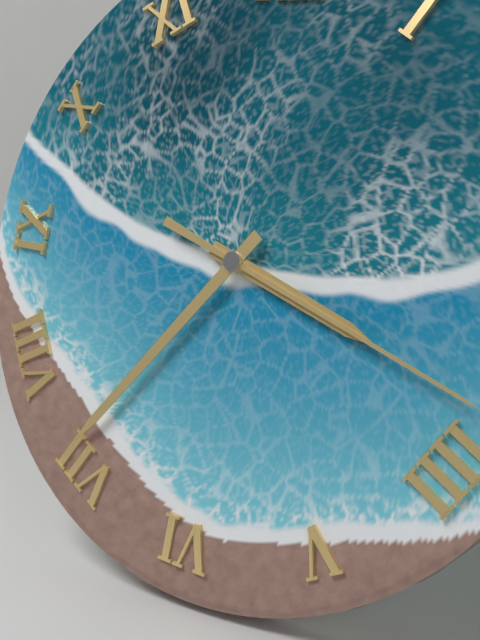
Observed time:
h=3 m=36 s=18
